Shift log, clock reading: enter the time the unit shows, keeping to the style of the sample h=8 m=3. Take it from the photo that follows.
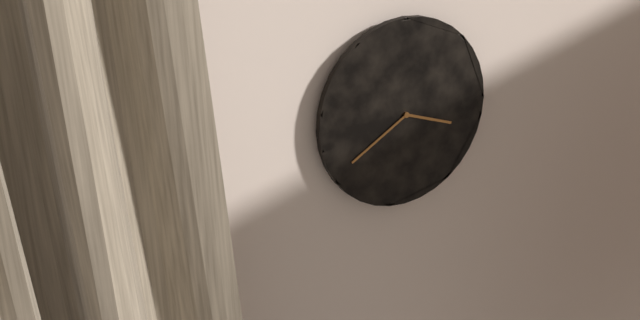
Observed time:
h=3 m=40
